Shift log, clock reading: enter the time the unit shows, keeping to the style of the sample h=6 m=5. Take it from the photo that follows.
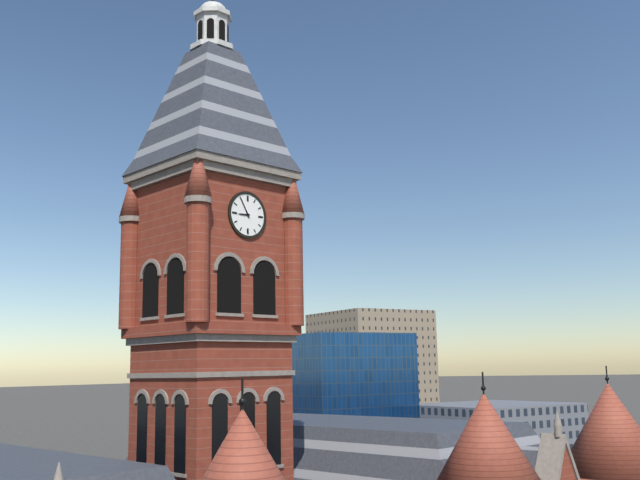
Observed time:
h=8 m=55
